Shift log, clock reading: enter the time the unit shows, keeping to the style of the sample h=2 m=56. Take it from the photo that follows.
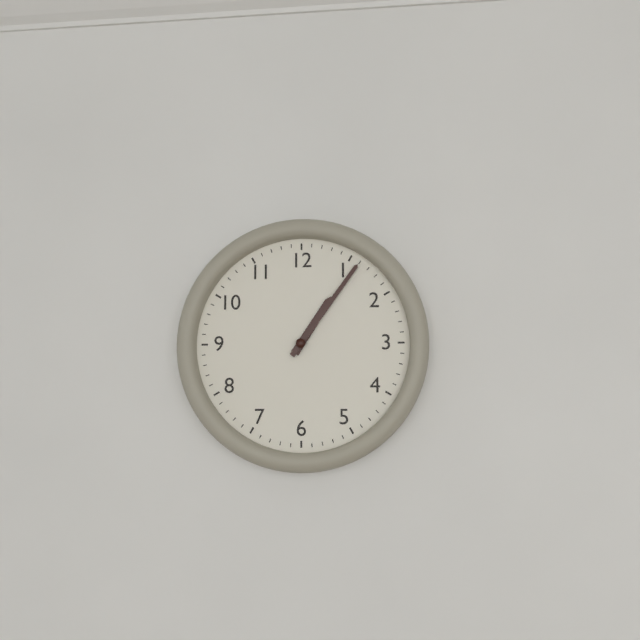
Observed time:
h=1 m=6
